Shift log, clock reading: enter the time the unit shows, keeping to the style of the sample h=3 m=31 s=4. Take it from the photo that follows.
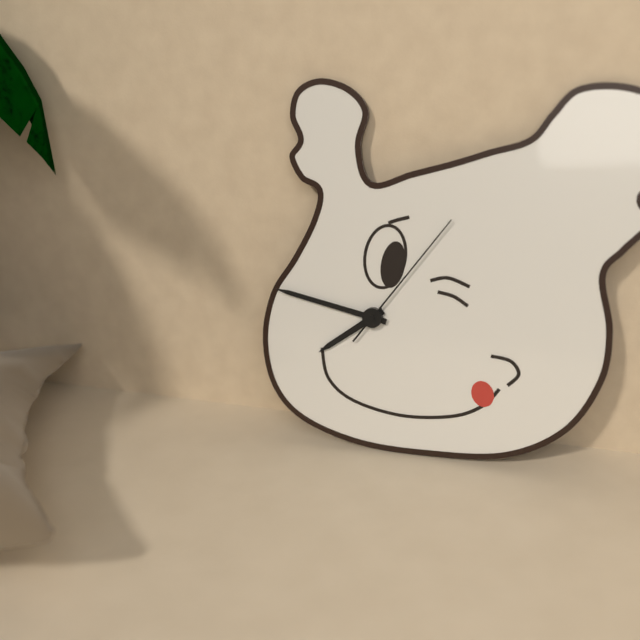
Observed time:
h=7 m=47 s=6
